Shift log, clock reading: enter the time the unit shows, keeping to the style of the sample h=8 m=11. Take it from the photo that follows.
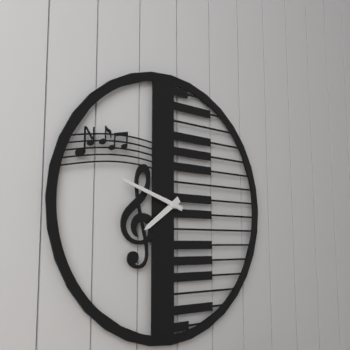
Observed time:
h=7 m=48
